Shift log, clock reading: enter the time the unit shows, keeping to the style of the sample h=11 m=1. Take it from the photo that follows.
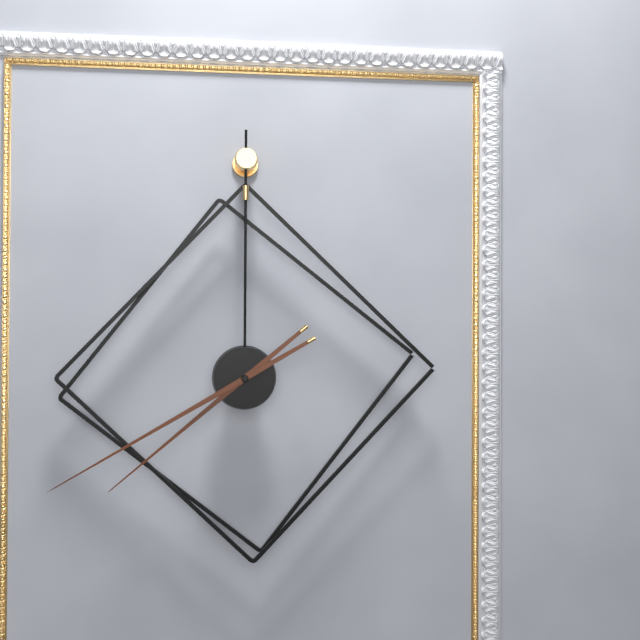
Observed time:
h=7 m=40
